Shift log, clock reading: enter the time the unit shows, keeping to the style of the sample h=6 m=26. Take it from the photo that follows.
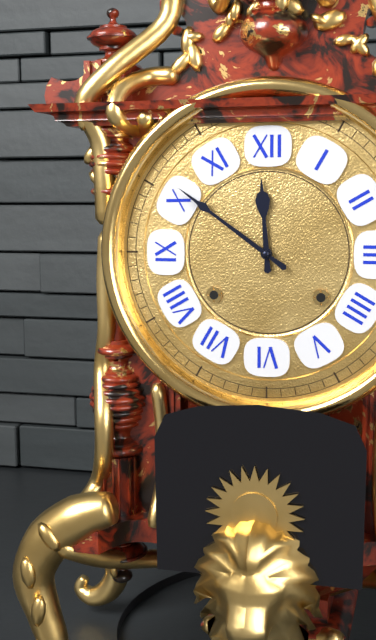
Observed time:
h=11 m=51
